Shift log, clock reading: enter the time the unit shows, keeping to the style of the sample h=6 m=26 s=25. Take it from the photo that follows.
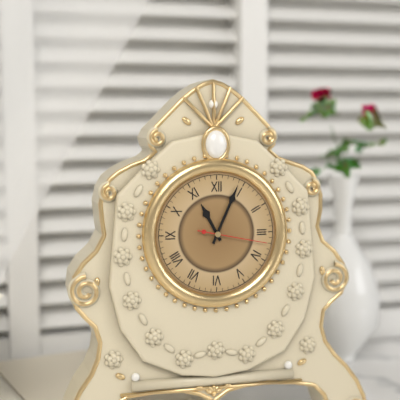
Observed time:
h=11 m=4 s=17
